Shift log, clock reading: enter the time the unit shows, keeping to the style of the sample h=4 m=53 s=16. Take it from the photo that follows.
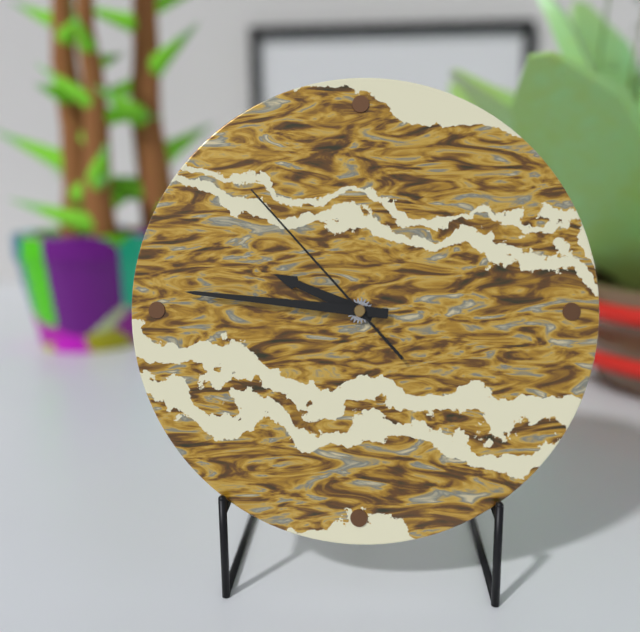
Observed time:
h=9 m=46 s=53
